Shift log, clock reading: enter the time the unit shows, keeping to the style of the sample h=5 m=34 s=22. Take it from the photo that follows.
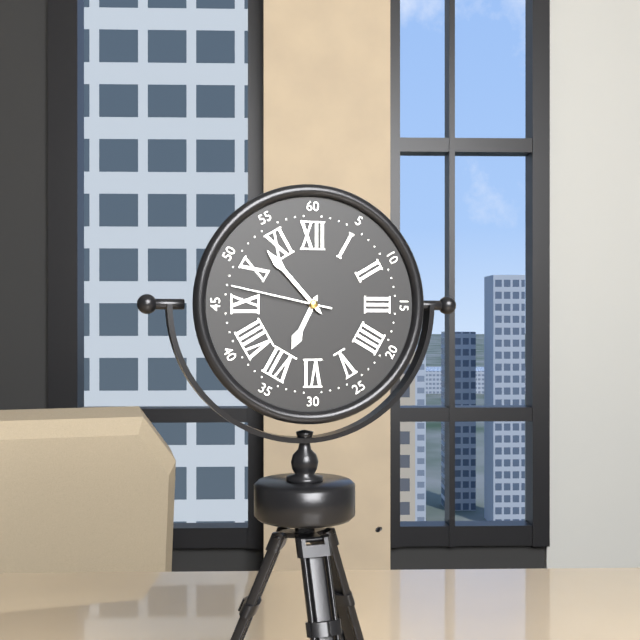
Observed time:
h=6 m=53 s=47
